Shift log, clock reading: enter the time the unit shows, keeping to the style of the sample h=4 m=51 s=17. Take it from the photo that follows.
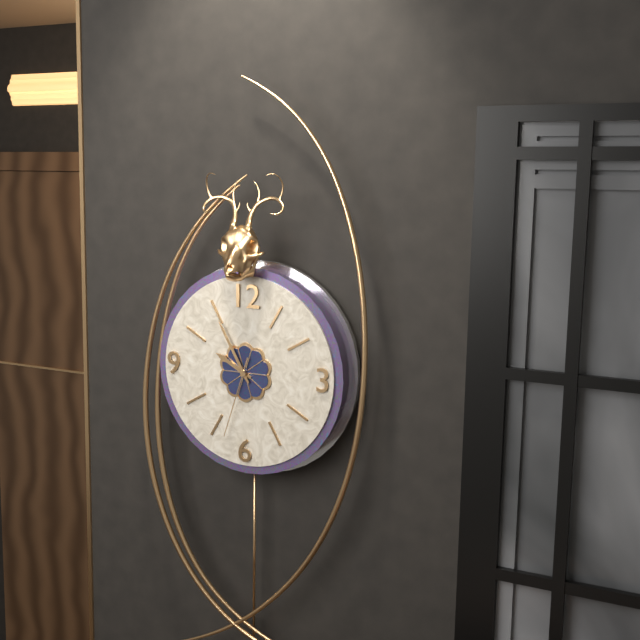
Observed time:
h=9 m=55 s=33
